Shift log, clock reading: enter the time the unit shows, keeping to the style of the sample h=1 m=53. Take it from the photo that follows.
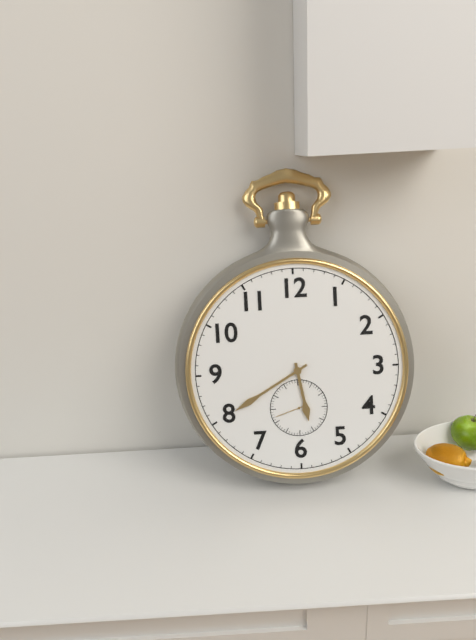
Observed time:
h=5 m=40
